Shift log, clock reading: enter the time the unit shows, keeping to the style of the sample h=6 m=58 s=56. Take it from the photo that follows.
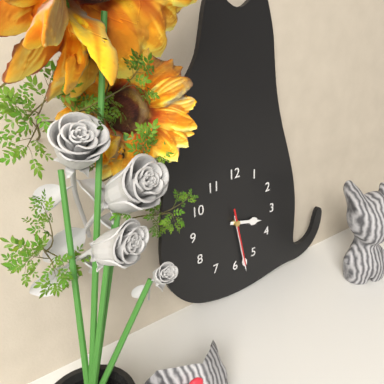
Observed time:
h=3 m=28 s=28
